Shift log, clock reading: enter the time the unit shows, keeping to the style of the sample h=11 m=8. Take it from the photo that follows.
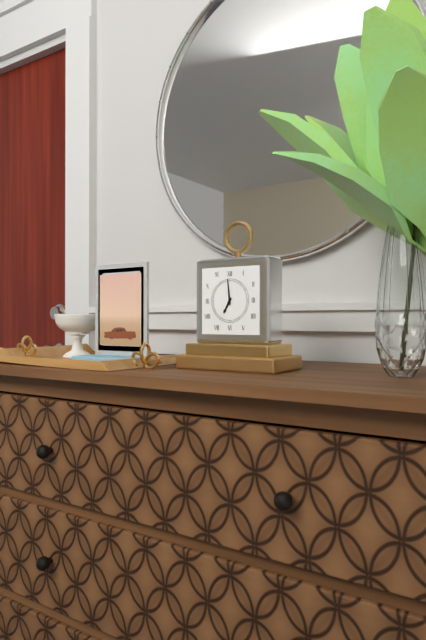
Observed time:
h=6 m=59
